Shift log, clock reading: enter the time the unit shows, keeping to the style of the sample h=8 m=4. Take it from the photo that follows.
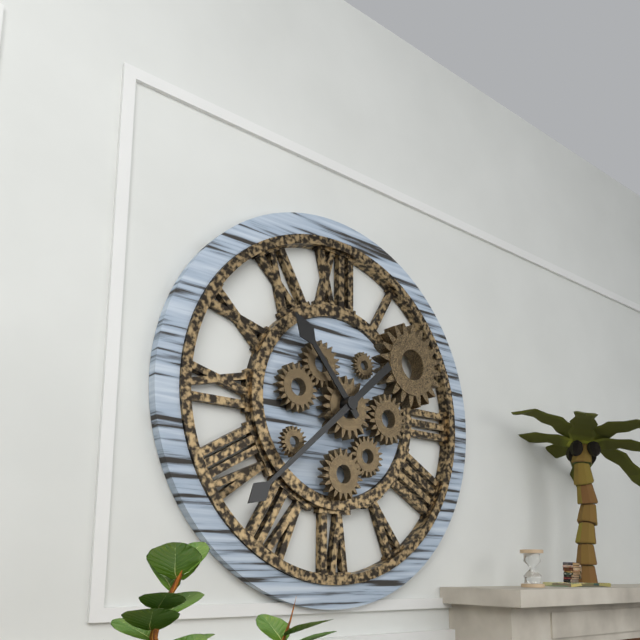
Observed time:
h=10 m=38
